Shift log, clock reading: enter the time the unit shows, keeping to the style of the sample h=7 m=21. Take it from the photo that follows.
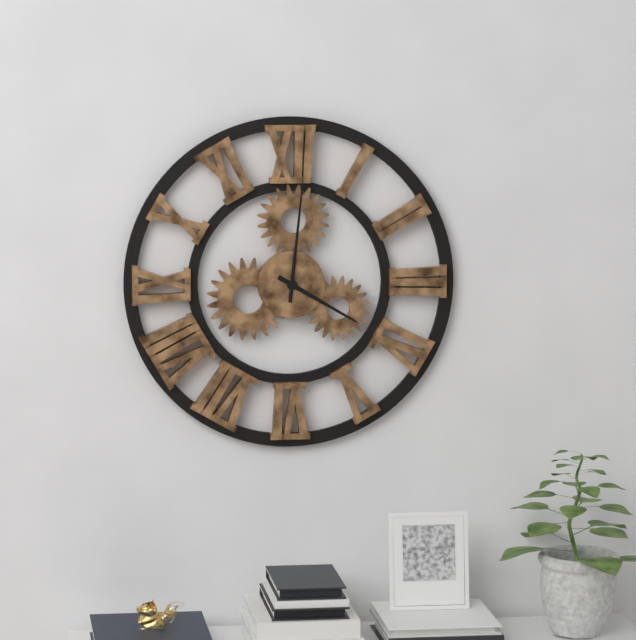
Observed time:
h=4 m=1
